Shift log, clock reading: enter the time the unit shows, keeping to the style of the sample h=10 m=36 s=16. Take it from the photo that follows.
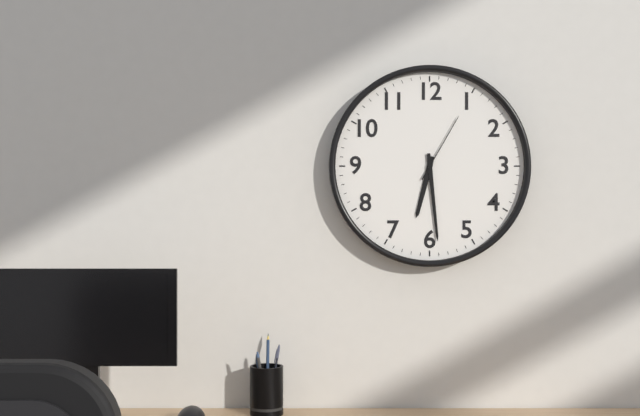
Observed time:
h=6 m=29 s=5
